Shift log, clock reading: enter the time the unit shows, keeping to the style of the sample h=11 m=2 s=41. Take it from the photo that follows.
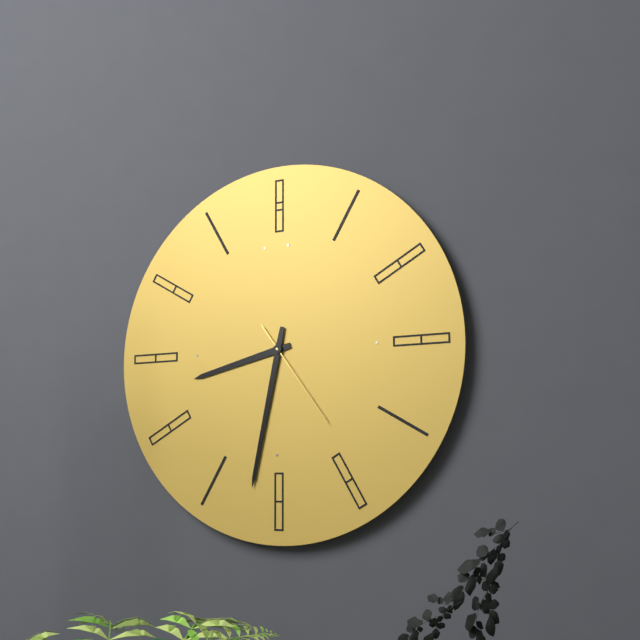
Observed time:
h=8 m=32 s=24
